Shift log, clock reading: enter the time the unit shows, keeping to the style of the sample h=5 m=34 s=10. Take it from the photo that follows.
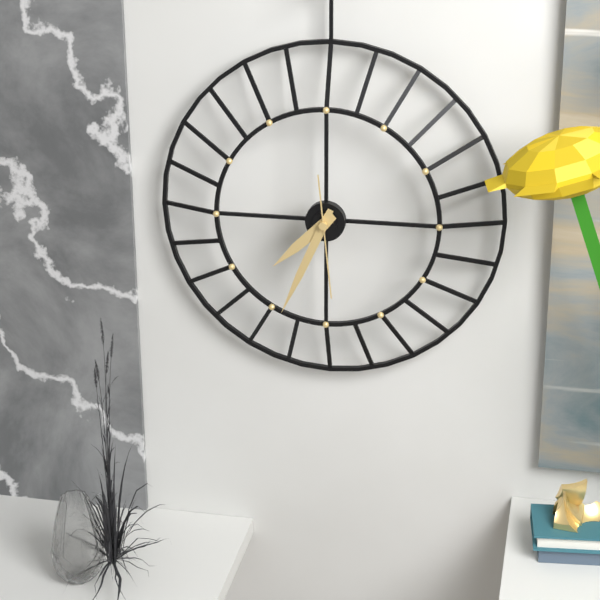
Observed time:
h=7 m=34 s=29
